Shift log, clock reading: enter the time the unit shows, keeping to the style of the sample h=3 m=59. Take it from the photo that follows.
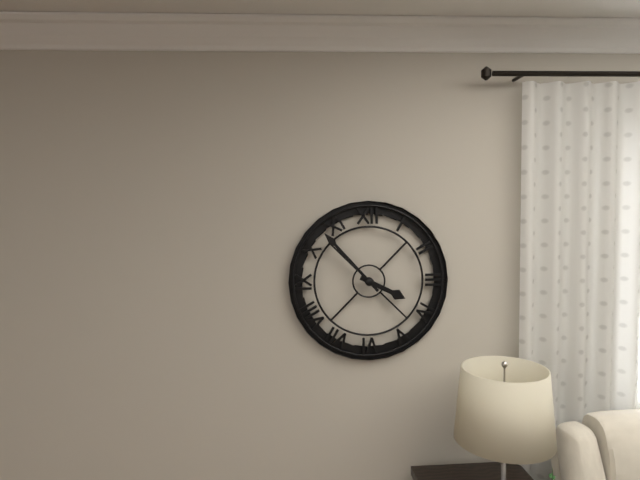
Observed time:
h=3 m=53
